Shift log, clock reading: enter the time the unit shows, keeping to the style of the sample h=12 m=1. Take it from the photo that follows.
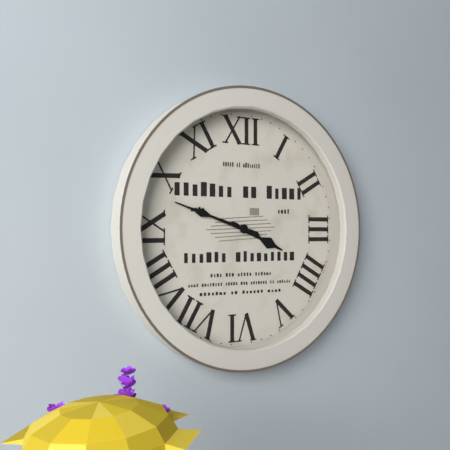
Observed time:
h=3 m=48
